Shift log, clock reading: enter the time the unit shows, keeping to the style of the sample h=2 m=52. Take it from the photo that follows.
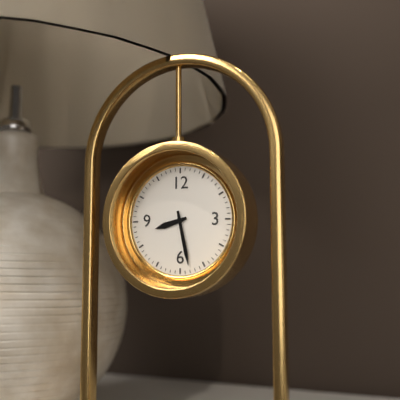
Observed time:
h=8 m=28
